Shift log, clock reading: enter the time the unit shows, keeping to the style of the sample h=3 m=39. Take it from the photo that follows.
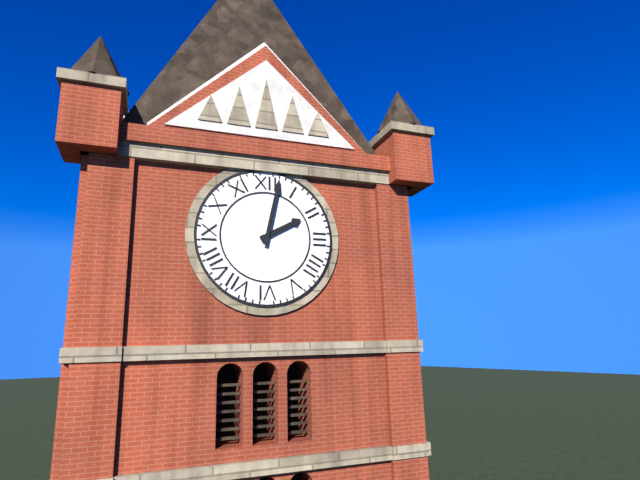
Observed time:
h=2 m=2
